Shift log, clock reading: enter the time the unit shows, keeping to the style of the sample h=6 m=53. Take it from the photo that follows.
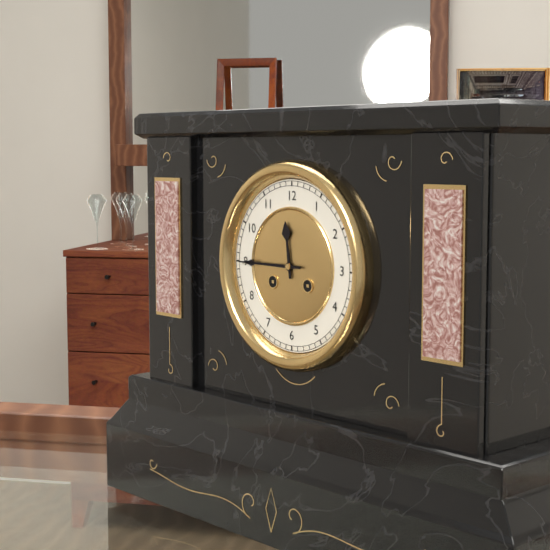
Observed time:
h=11 m=45
